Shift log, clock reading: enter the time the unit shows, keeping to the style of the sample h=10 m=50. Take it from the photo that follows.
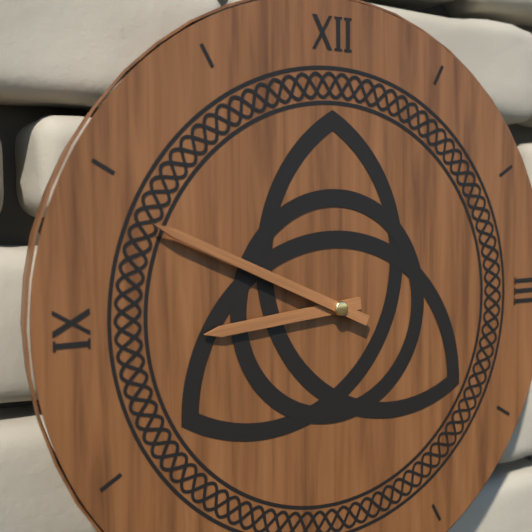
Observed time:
h=8 m=49
